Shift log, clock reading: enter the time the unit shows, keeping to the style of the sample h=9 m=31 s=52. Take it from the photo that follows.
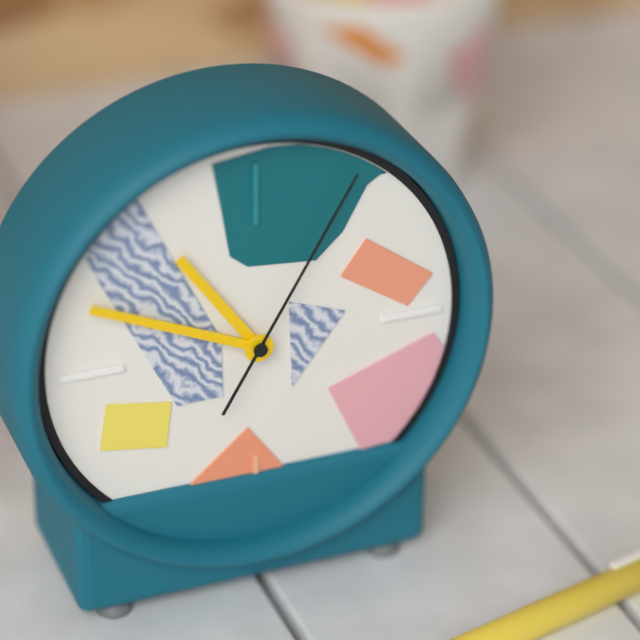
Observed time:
h=10 m=49 s=5
